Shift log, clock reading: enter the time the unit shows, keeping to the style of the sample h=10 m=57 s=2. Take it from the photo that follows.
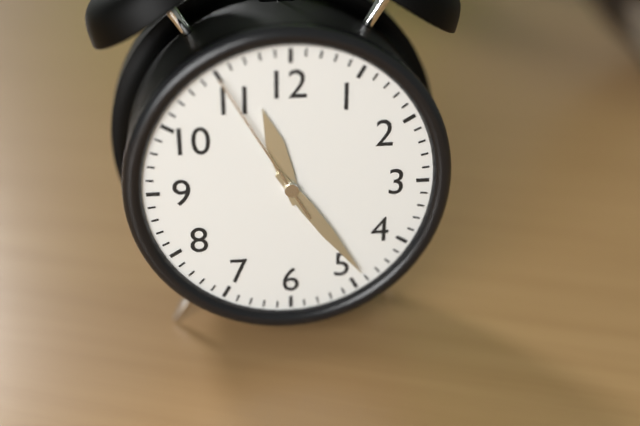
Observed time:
h=11 m=24 s=55
